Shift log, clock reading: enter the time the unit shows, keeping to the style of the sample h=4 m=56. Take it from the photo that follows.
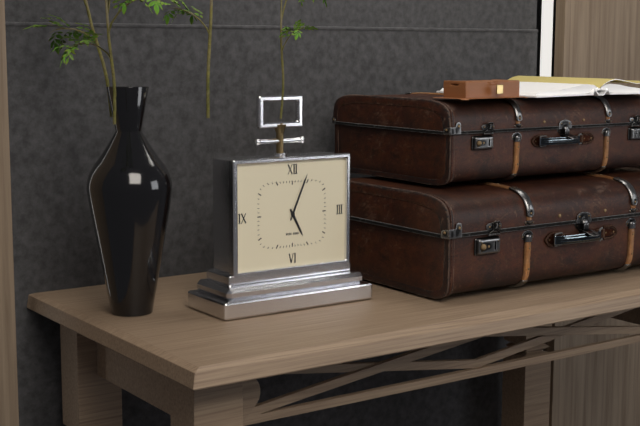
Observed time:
h=5 m=4
